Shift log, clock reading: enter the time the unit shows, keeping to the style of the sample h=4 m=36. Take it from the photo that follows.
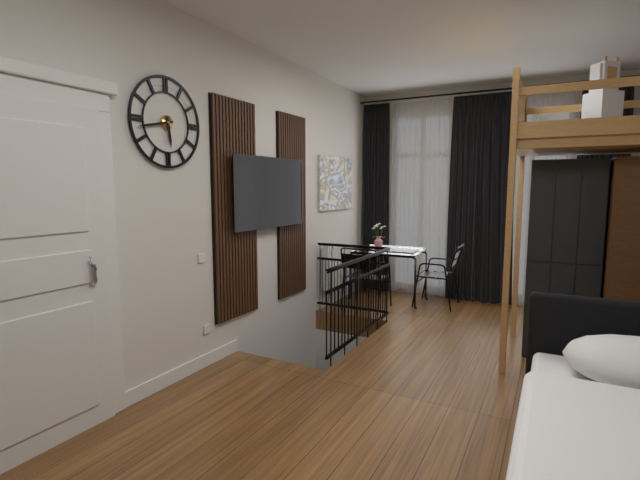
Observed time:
h=5 m=43
